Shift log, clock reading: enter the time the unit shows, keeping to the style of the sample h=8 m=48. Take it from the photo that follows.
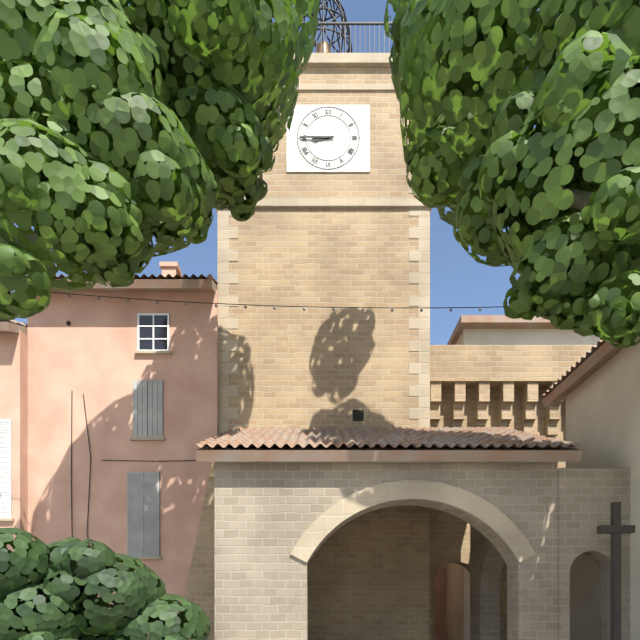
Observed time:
h=8 m=45
